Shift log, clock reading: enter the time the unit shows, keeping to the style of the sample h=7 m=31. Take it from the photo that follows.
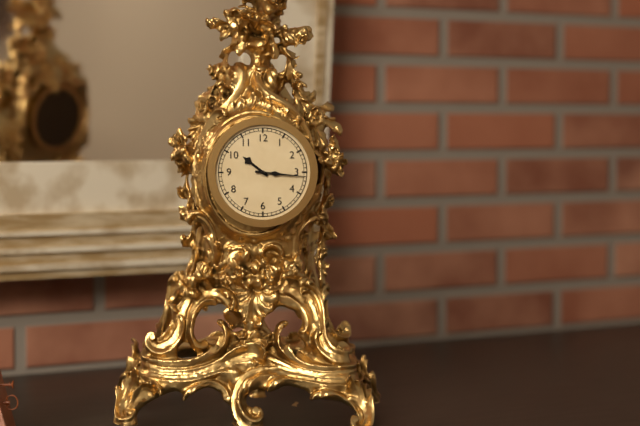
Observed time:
h=10 m=16
